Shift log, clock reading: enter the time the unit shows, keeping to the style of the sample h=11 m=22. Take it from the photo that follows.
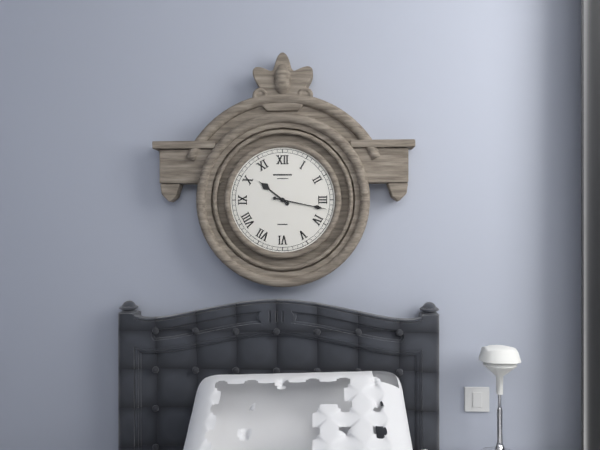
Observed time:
h=10 m=17
